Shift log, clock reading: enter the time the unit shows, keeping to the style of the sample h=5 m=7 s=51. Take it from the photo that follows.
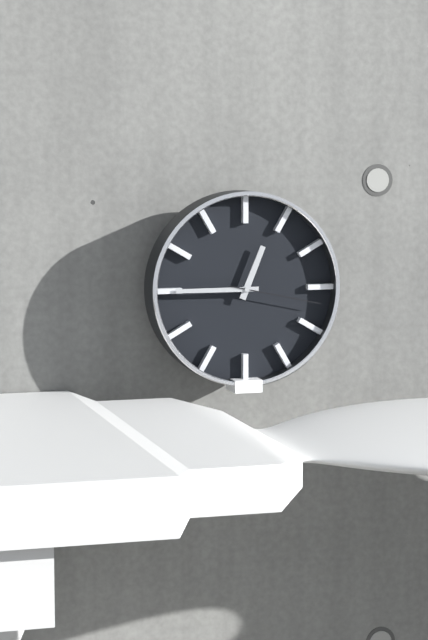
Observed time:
h=12 m=45 s=17
